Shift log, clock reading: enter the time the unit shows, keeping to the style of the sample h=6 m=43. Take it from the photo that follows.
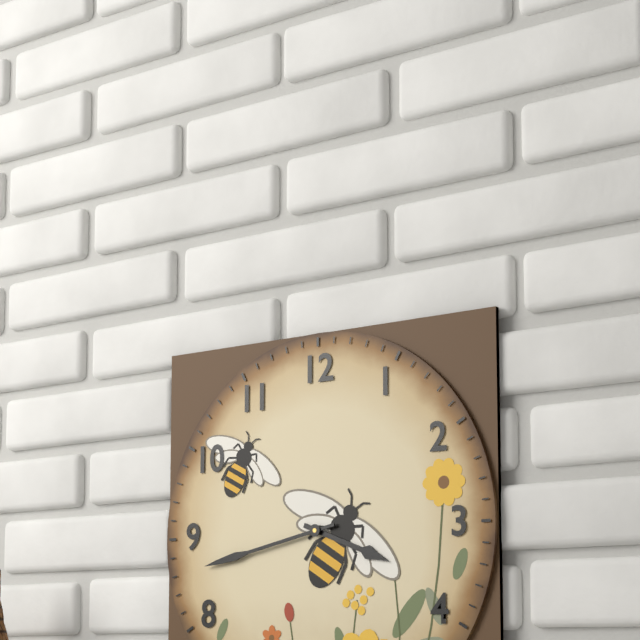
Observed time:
h=3 m=43
